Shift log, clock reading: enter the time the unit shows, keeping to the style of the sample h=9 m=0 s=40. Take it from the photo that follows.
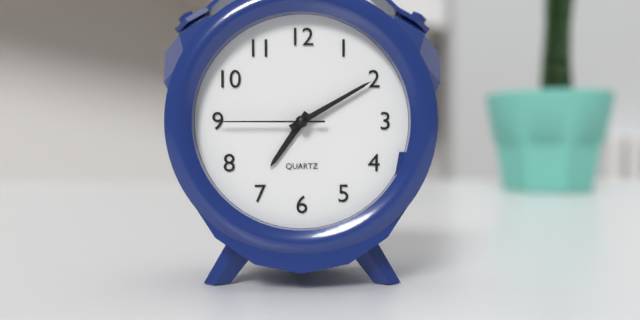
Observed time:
h=7 m=10 s=45
